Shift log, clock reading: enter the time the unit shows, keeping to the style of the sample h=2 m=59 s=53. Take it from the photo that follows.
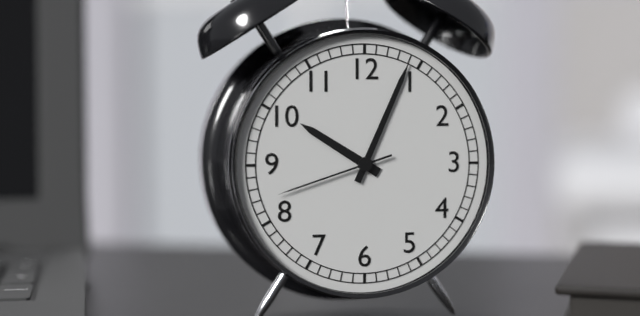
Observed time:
h=10 m=4 s=42
